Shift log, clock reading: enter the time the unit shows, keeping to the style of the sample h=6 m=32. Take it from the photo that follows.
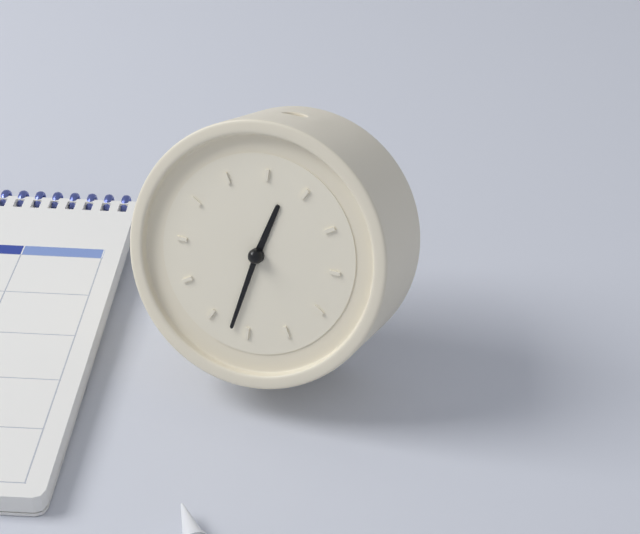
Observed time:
h=12 m=32
